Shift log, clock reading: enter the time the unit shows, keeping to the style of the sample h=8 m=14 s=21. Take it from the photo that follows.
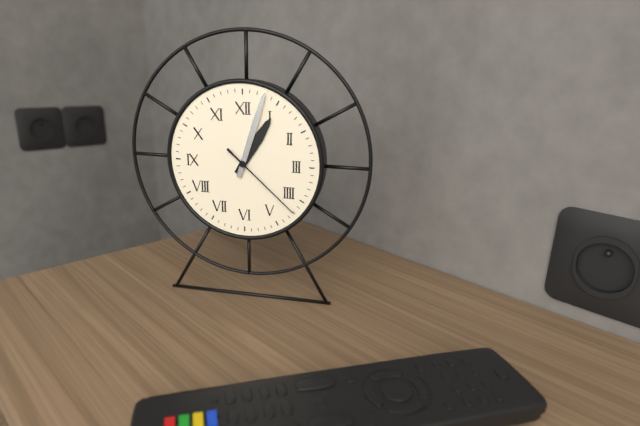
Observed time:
h=1 m=3 s=22
